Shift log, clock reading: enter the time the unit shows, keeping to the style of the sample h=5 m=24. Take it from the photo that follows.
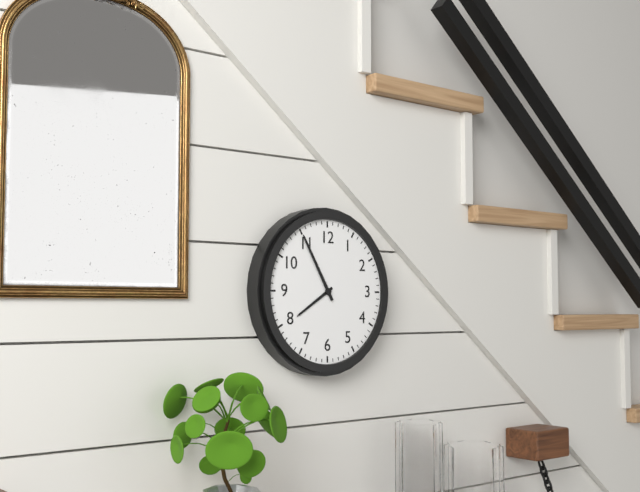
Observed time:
h=7 m=55
